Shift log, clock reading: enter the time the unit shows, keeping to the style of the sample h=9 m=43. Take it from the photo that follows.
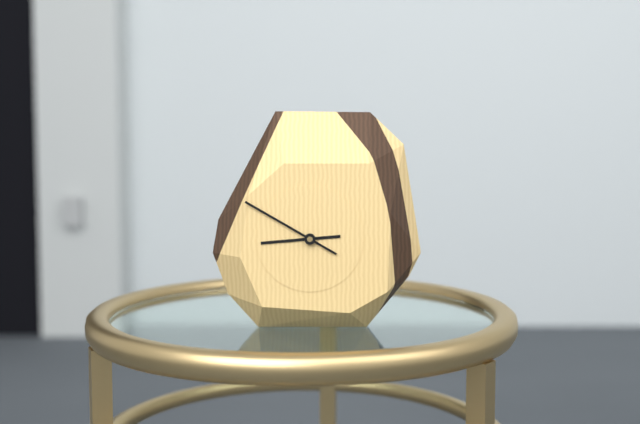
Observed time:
h=8 m=50
